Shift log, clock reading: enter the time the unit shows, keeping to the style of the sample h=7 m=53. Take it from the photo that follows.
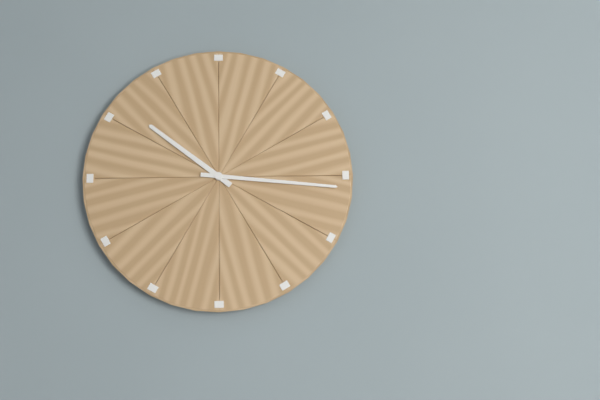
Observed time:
h=10 m=16
